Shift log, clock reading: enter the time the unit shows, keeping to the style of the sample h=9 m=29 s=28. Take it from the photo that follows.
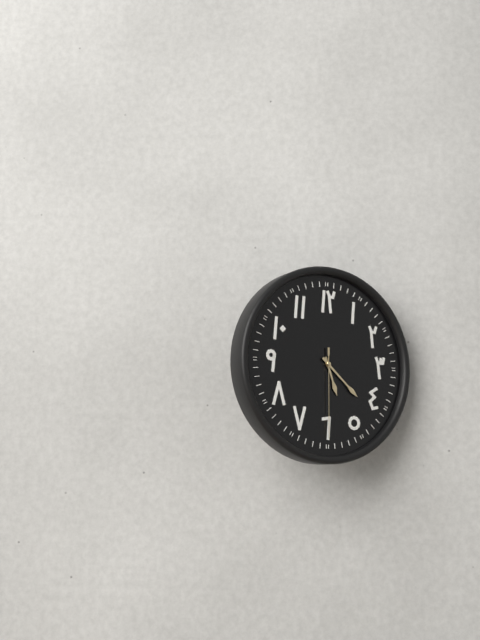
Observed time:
h=5 m=22 s=30
